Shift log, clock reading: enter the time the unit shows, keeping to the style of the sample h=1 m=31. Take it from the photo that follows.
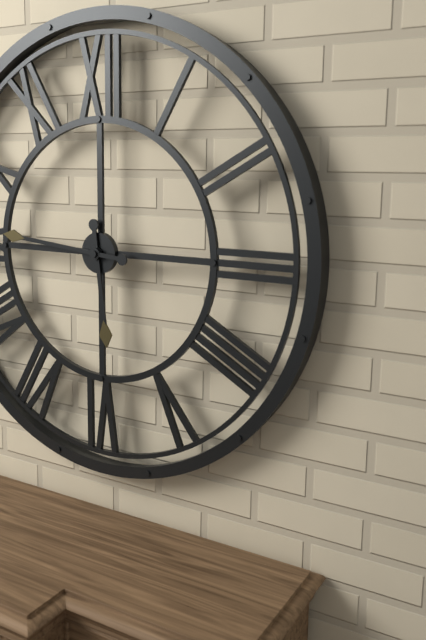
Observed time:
h=5 m=46
